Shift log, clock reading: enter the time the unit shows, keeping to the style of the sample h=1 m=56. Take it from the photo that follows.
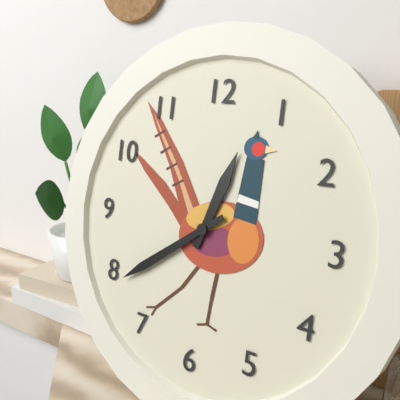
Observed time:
h=12 m=39
